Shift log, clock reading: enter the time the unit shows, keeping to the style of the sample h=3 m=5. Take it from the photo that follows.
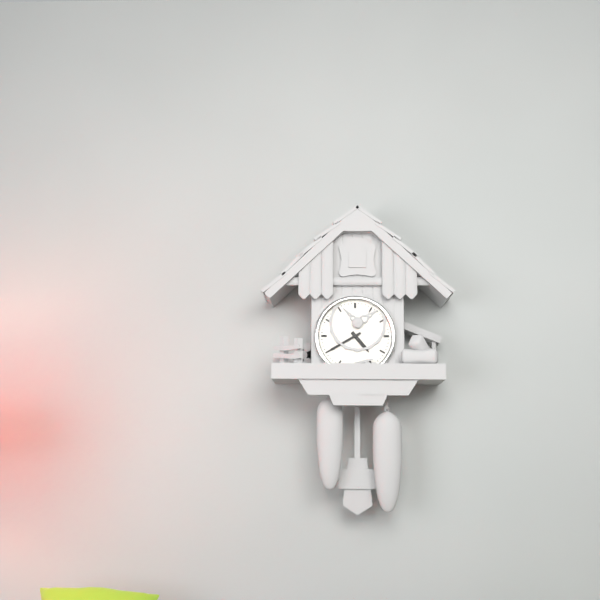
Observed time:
h=4 m=40
